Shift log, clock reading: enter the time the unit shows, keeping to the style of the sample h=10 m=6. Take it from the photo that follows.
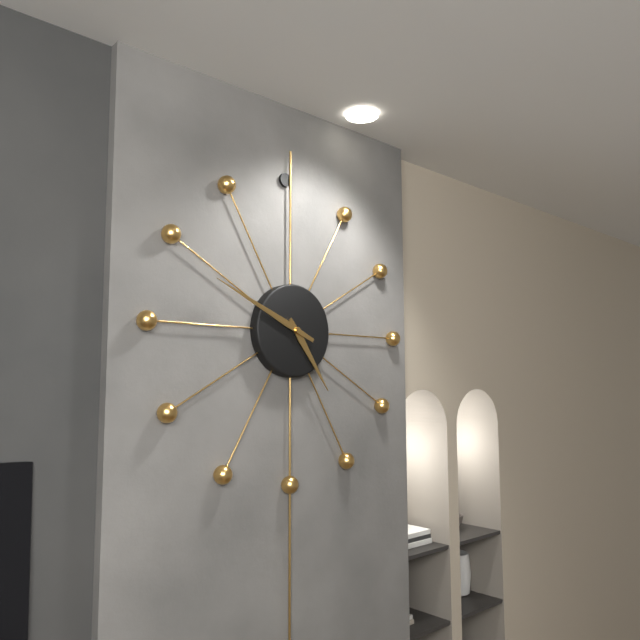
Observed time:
h=4 m=49
